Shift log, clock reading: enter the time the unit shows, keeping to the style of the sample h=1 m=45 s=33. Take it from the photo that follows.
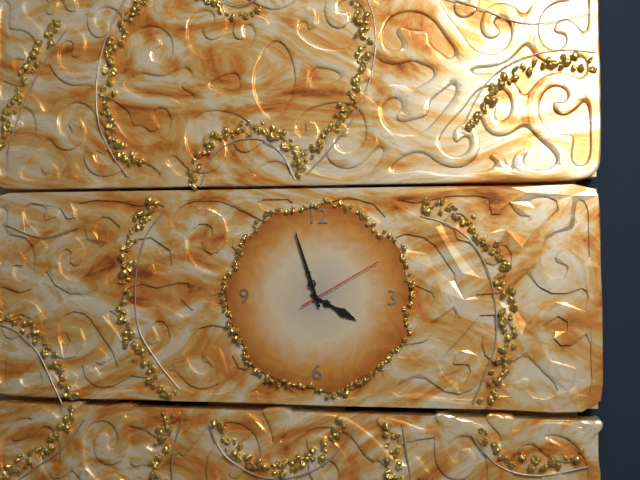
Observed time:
h=3 m=57 s=10
